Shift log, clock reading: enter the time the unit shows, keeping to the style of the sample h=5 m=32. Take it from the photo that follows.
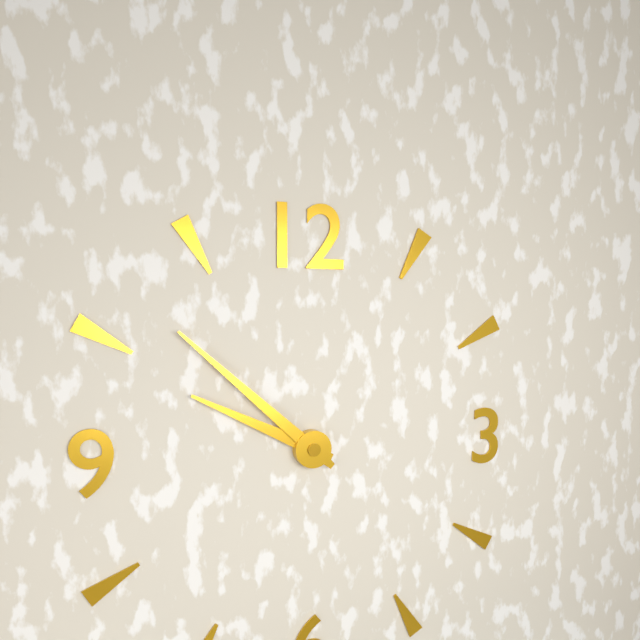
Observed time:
h=9 m=52
